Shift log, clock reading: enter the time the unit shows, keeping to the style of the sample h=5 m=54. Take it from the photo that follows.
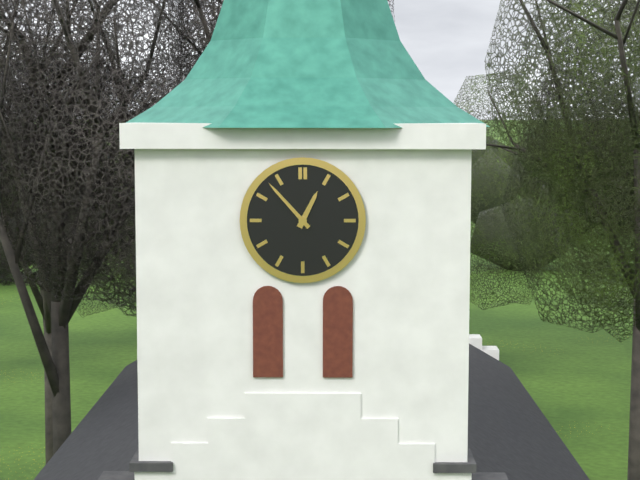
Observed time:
h=12 m=53
